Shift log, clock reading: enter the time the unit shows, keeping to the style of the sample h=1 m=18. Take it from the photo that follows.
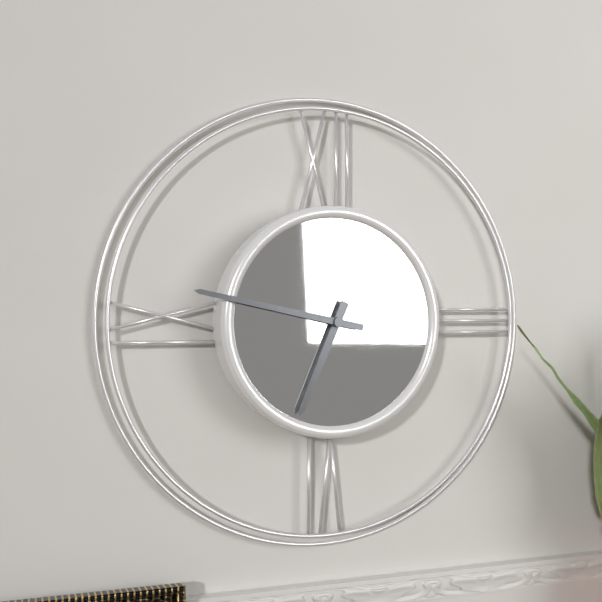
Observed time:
h=6 m=47
